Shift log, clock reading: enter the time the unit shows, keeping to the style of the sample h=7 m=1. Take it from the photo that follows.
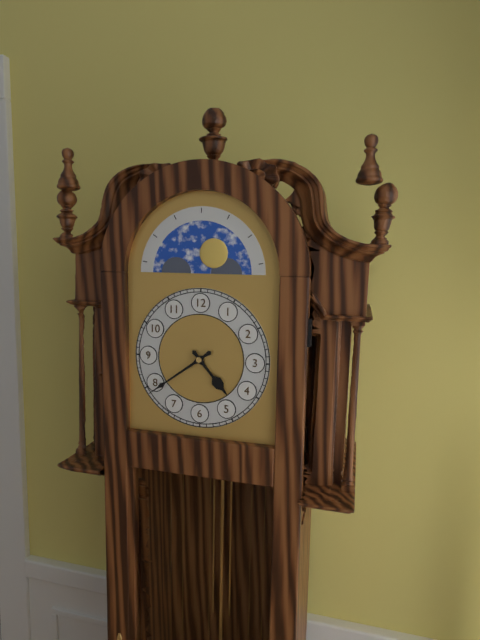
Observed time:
h=4 m=39
